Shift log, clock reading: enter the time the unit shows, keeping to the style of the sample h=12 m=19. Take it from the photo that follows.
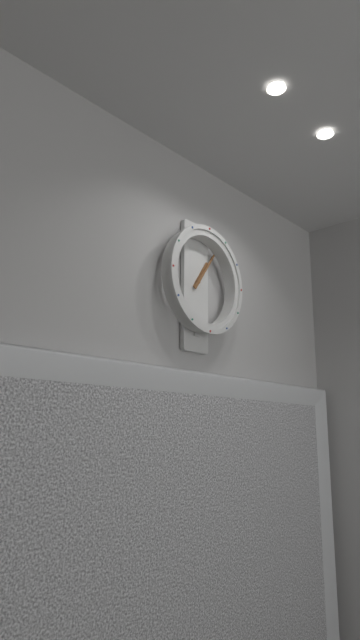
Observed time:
h=1 m=6
